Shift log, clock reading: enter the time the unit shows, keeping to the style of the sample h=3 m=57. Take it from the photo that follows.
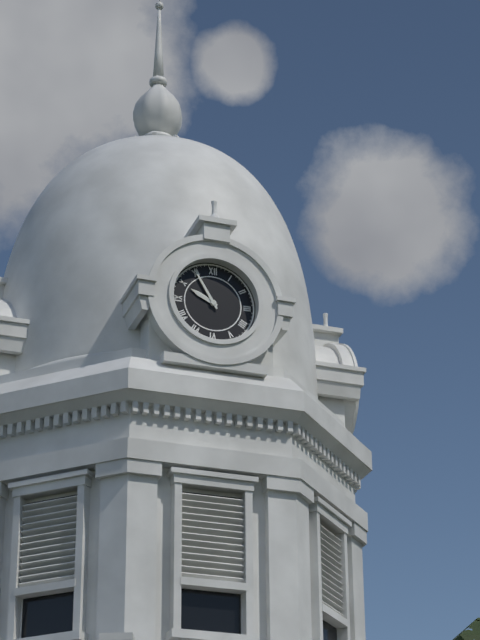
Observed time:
h=9 m=55
